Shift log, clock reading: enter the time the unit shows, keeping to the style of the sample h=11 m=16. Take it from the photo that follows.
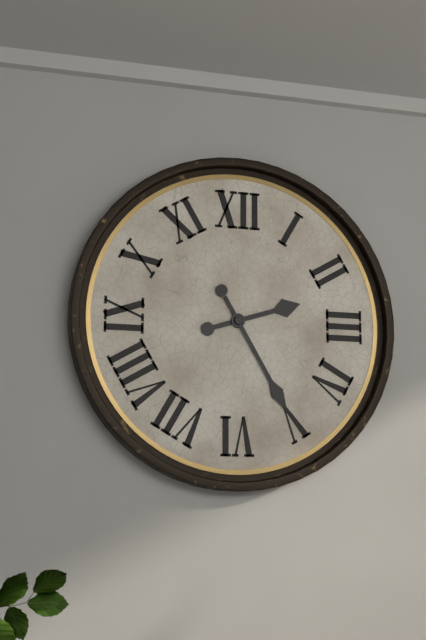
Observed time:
h=2 m=25
